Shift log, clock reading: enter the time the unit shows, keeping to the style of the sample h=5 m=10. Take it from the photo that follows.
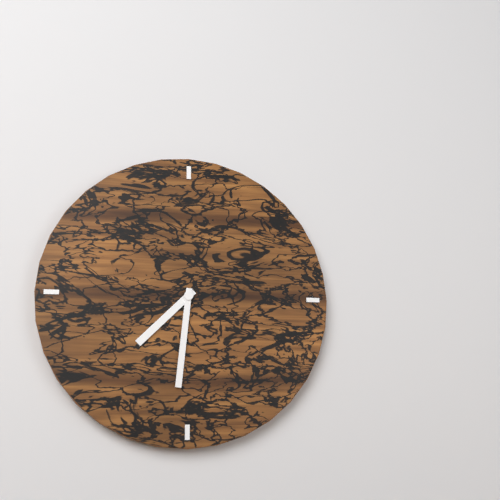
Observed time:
h=7 m=31
